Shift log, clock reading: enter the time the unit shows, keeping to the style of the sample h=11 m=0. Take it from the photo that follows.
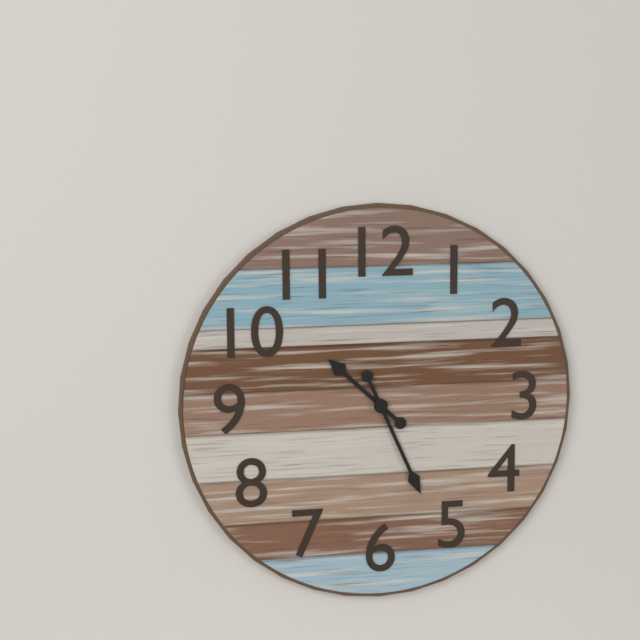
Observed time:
h=10 m=26
